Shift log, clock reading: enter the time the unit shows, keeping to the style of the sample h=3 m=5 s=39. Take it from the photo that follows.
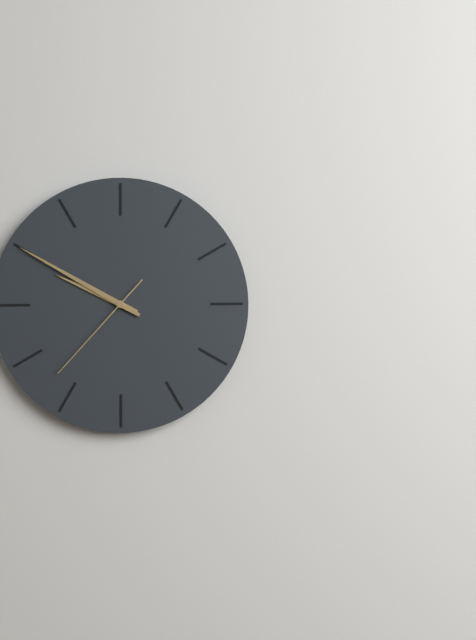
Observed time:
h=9 m=50 s=37
